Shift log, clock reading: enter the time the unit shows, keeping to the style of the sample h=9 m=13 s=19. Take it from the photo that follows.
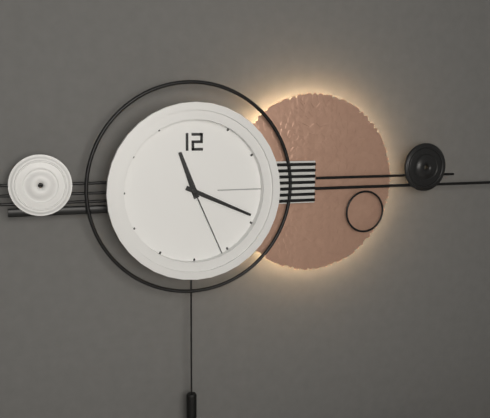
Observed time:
h=11 m=19 s=26
